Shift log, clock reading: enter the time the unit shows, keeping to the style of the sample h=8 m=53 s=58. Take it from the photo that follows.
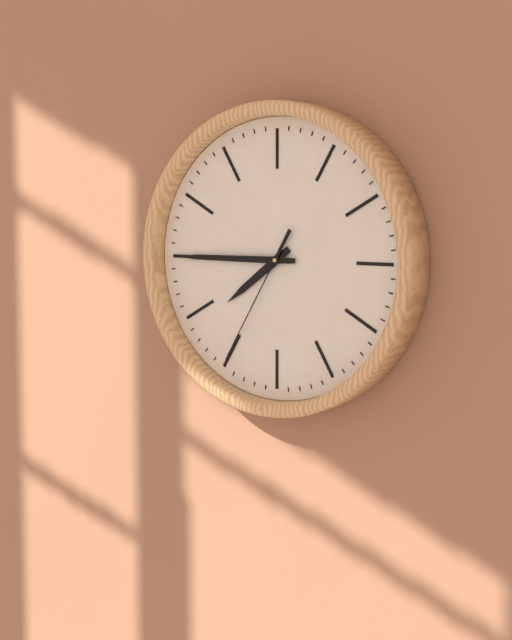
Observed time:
h=7 m=45 s=35
